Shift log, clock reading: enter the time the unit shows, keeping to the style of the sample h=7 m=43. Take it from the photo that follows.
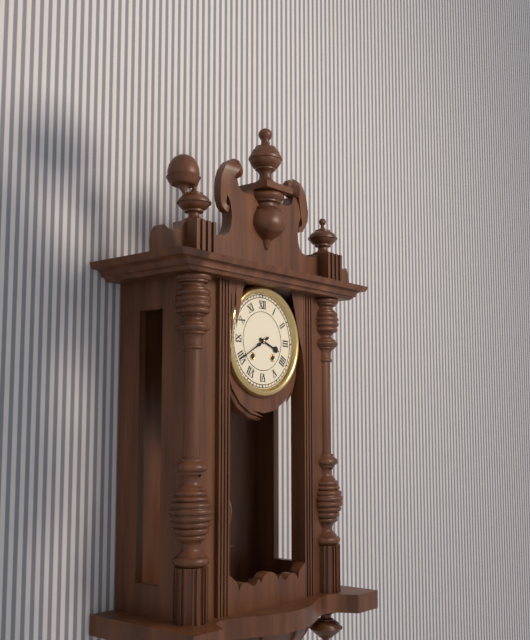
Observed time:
h=3 m=40
